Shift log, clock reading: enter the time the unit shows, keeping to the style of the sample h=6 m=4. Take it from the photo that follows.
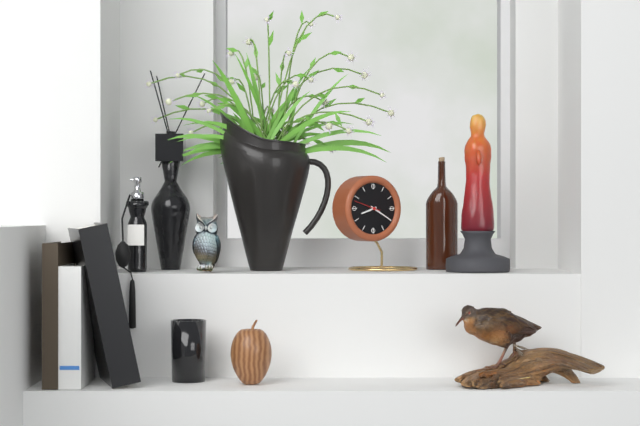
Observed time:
h=8 m=20
